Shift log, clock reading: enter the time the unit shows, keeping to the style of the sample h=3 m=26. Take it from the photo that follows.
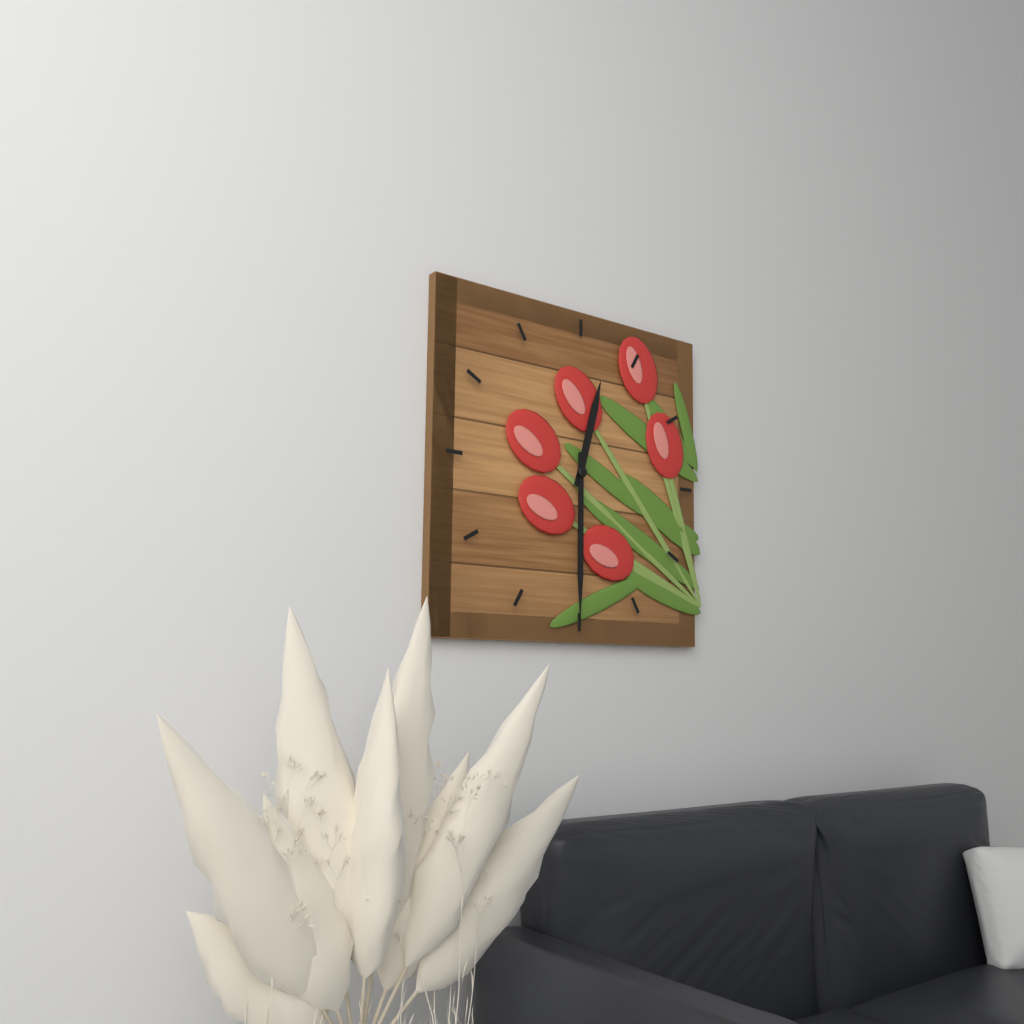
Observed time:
h=12 m=30
